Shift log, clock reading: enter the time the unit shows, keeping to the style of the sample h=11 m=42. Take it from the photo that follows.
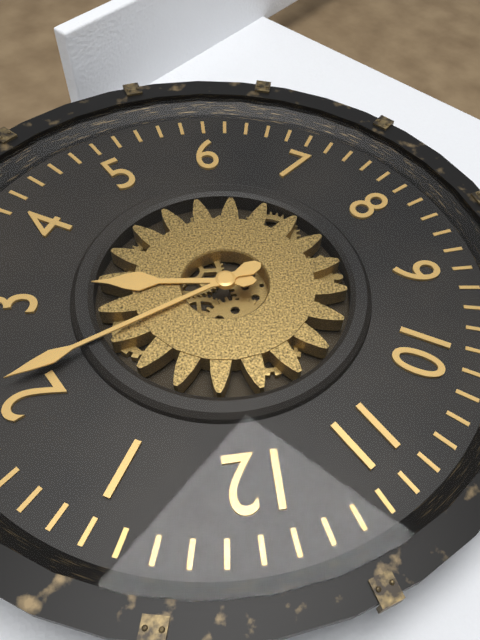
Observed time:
h=3 m=11
